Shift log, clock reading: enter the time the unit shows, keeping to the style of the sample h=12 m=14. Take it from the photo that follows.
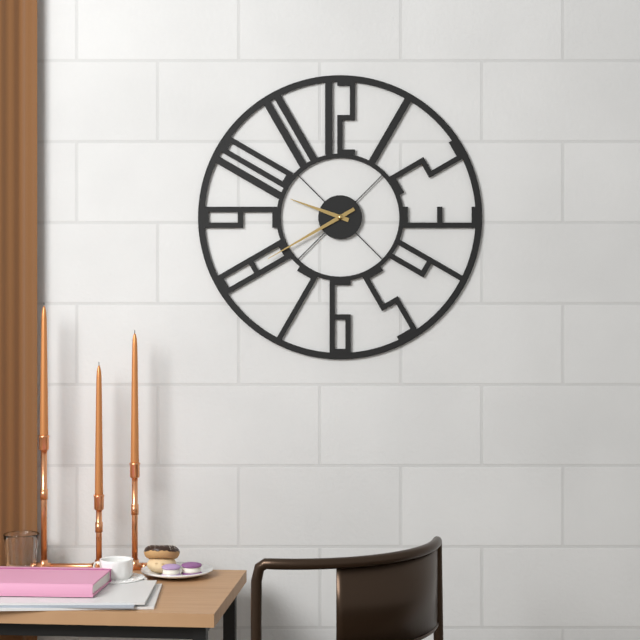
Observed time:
h=9 m=40
